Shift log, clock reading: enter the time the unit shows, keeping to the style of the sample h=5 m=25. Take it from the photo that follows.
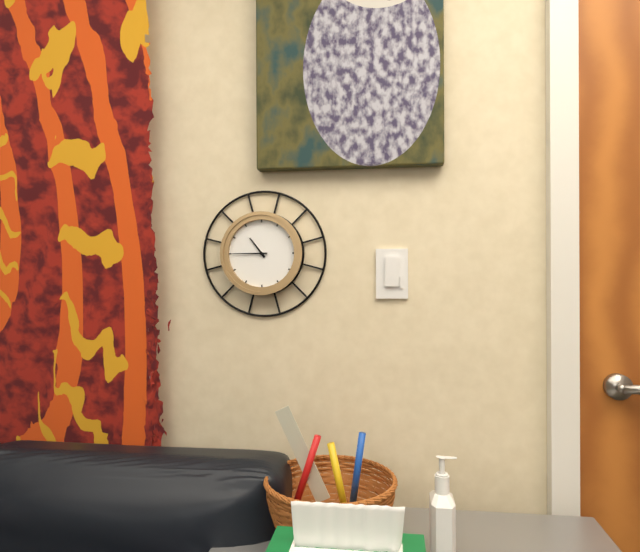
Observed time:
h=10 m=45
